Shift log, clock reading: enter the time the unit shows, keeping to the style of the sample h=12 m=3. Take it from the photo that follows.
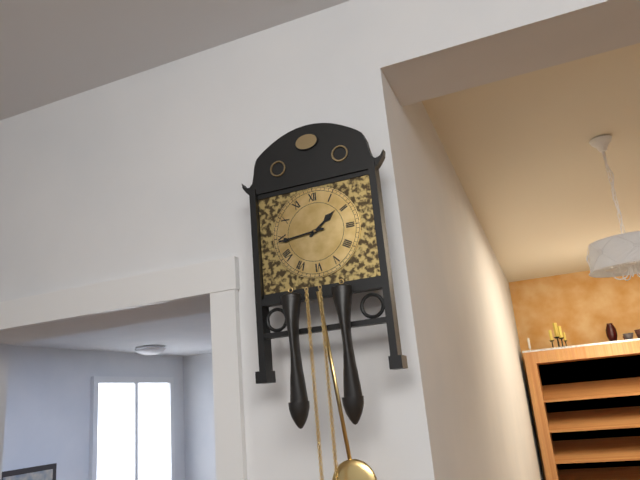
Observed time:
h=1 m=44
